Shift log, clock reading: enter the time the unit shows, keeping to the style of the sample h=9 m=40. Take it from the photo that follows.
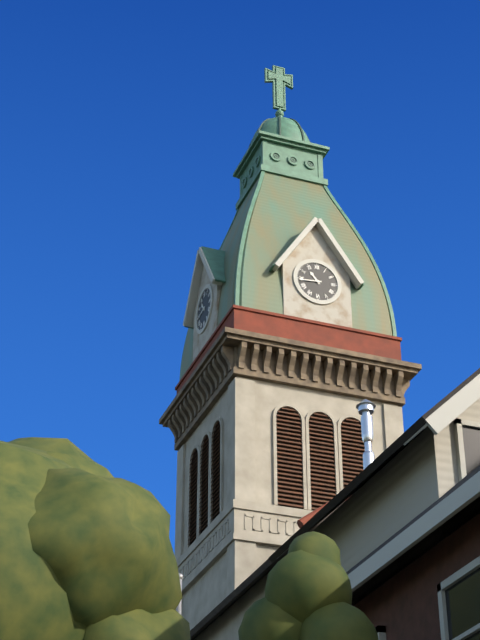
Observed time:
h=10 m=44
